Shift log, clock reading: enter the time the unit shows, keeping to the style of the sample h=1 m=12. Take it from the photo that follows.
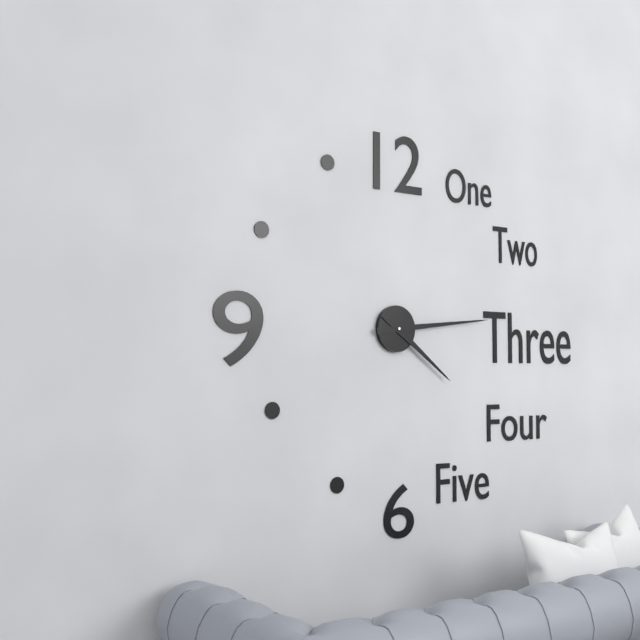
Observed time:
h=4 m=14
